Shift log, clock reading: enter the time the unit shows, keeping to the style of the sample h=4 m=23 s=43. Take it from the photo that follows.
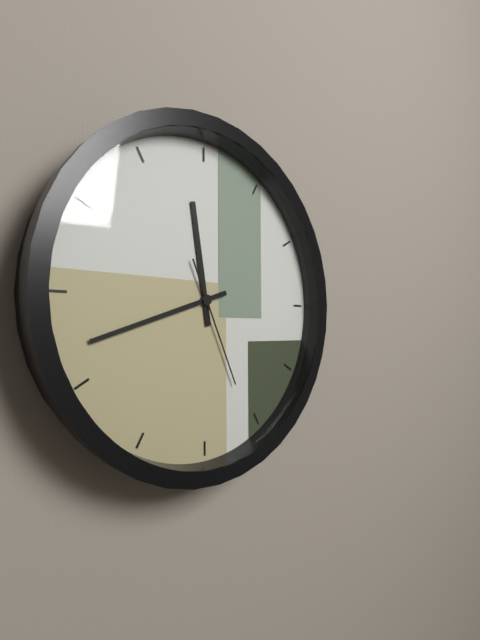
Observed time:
h=11 m=42 s=26
